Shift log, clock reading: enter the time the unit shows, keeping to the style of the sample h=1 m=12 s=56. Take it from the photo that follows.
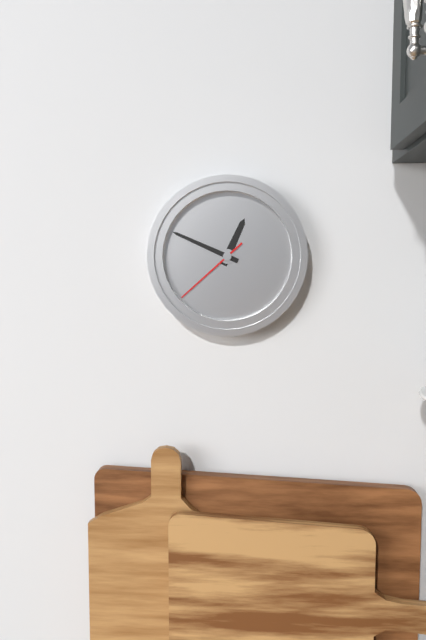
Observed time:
h=12 m=49 s=38
